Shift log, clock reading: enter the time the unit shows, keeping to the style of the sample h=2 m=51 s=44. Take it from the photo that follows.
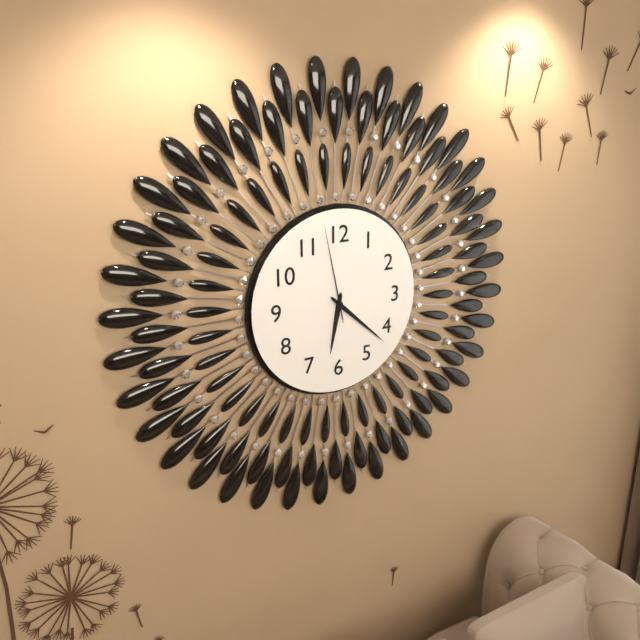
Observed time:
h=6 m=22 s=58
